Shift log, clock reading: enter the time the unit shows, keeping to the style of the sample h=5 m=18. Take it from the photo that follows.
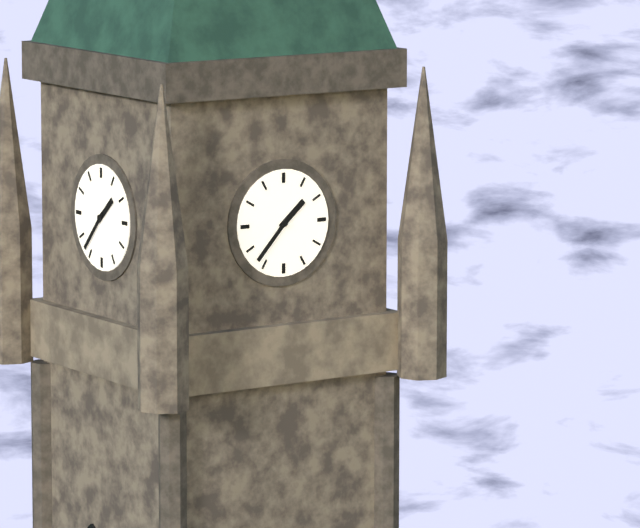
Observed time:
h=1 m=37
